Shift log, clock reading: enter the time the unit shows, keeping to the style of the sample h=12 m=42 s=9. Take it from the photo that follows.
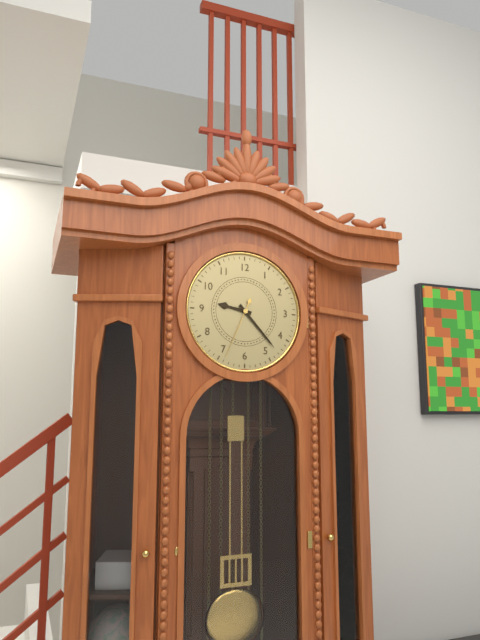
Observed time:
h=9 m=23 s=34
